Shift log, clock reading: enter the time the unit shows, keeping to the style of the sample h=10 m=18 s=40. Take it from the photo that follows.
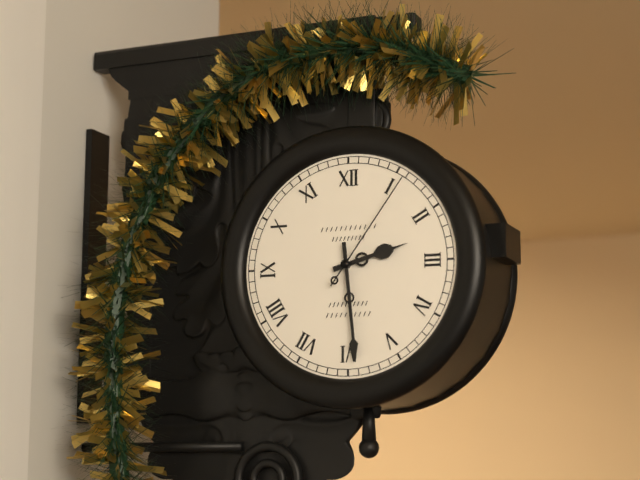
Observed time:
h=2 m=29 s=6
